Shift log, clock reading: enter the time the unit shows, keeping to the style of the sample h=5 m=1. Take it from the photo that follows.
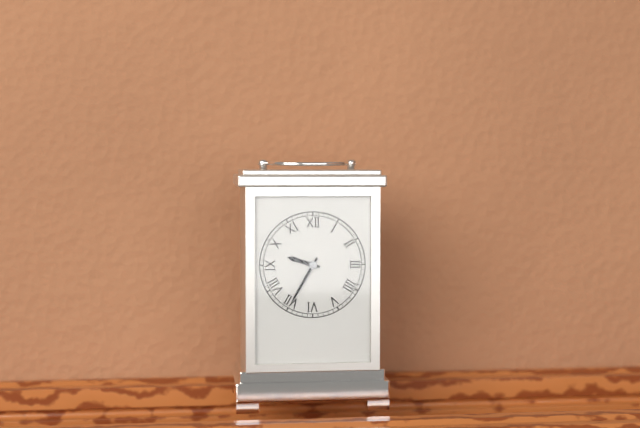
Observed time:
h=9 m=35
